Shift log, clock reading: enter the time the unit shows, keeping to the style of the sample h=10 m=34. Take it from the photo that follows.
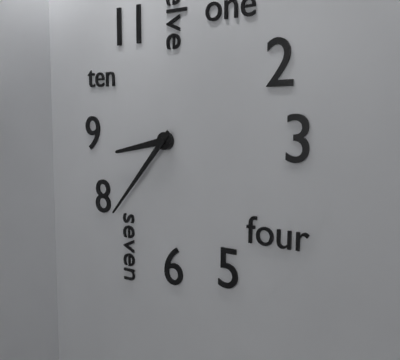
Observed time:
h=8 m=37
